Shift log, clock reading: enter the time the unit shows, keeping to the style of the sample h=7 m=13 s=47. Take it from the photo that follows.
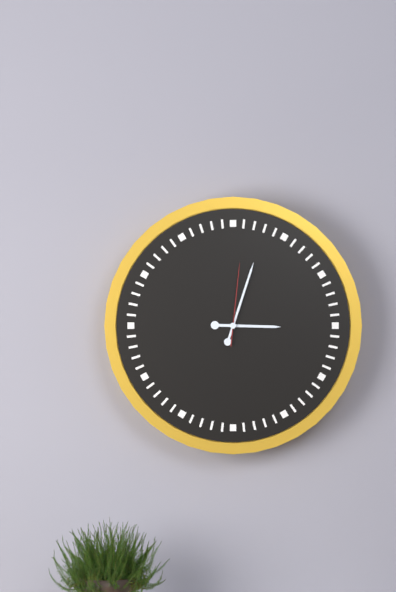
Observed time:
h=3 m=3 s=1
